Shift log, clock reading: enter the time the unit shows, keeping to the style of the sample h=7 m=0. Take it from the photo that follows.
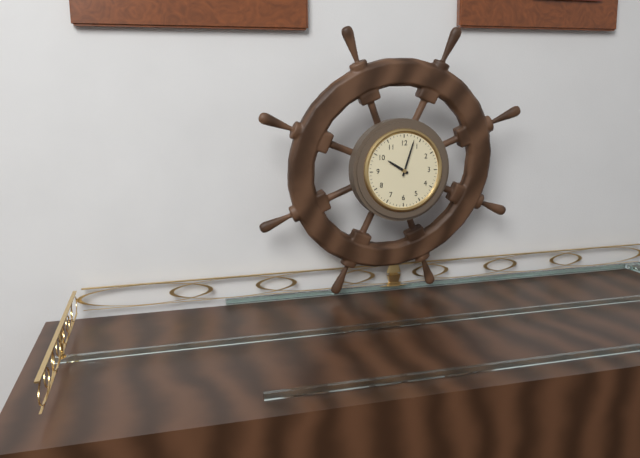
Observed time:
h=10 m=3
